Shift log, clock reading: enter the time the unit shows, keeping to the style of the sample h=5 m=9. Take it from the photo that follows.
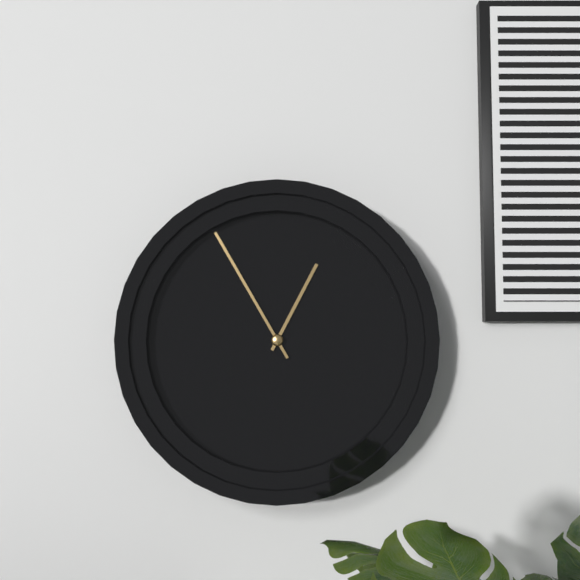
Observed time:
h=12 m=55
